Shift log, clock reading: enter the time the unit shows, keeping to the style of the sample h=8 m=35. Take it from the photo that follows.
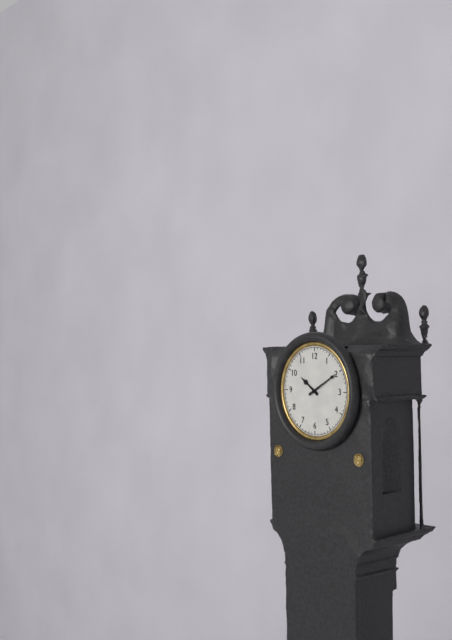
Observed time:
h=10 m=10
